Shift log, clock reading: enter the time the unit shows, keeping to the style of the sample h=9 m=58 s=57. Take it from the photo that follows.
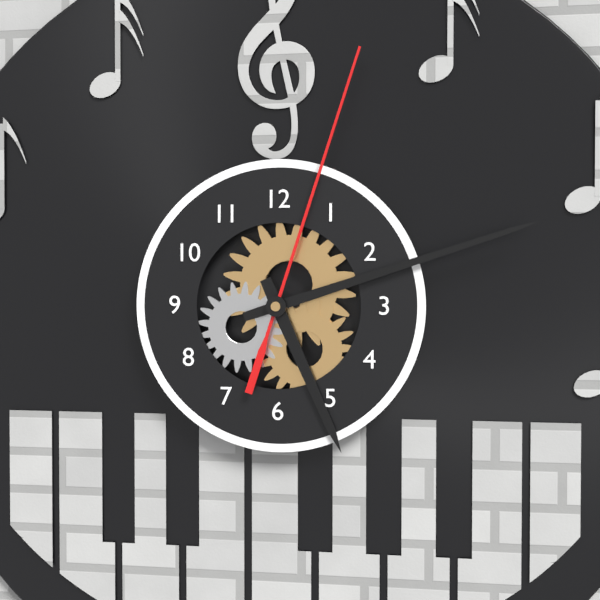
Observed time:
h=5 m=12 s=3
